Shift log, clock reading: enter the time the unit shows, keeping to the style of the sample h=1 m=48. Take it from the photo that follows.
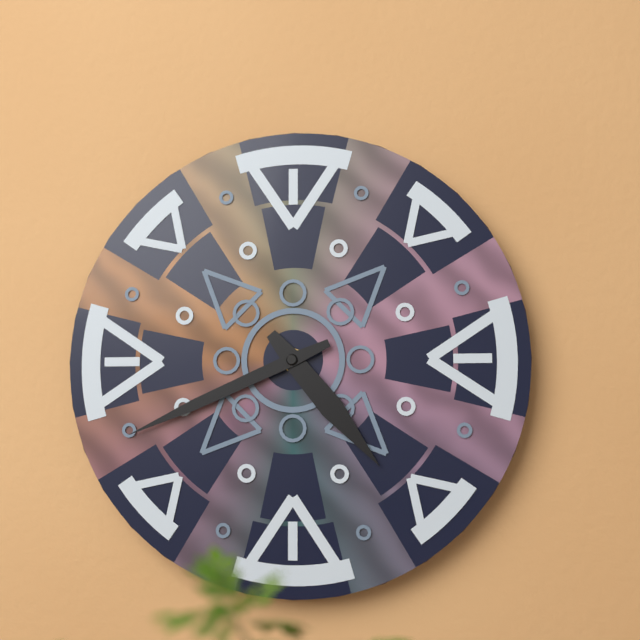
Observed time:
h=4 m=41
